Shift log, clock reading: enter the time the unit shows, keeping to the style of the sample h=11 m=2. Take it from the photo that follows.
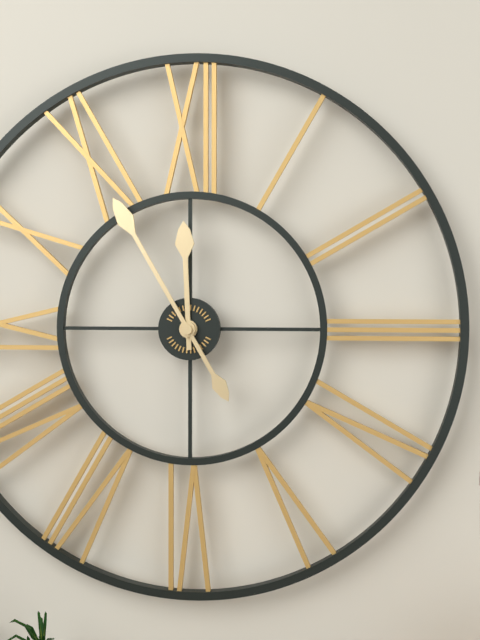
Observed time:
h=11 m=55
